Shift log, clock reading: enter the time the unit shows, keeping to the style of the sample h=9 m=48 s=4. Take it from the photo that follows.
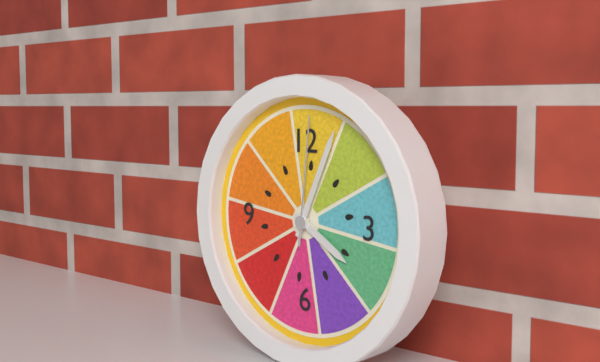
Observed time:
h=4 m=4 s=1
